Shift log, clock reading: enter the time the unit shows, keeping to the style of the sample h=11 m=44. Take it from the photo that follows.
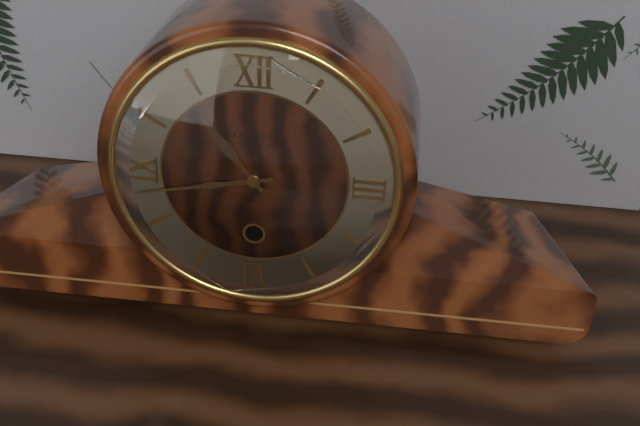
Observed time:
h=10 m=43
